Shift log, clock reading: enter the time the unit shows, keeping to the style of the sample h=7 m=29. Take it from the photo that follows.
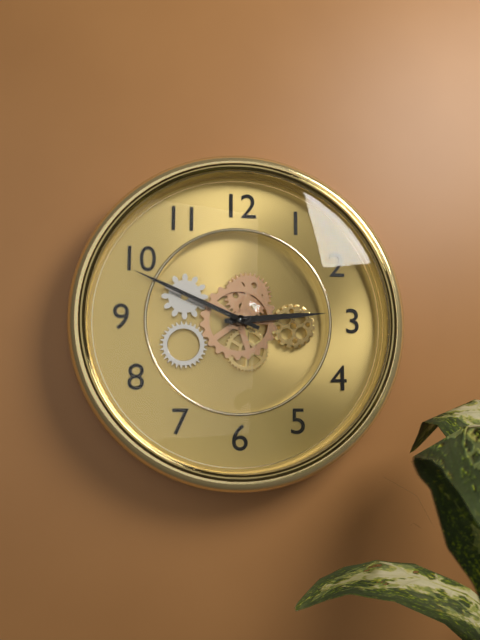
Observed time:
h=2 m=49
